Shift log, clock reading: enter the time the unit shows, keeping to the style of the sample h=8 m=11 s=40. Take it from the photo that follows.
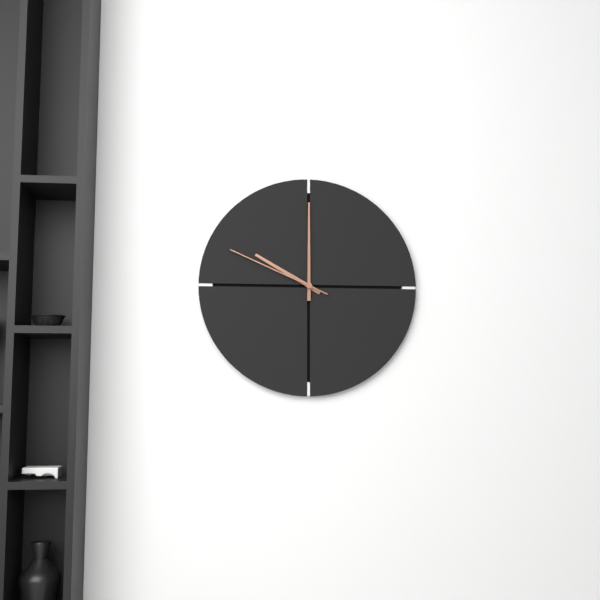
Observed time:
h=10 m=0 s=49
